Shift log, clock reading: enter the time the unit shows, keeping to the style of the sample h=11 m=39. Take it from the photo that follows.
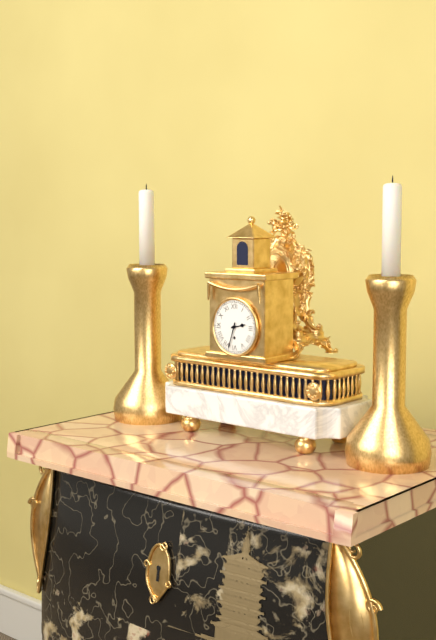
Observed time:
h=2 m=33
